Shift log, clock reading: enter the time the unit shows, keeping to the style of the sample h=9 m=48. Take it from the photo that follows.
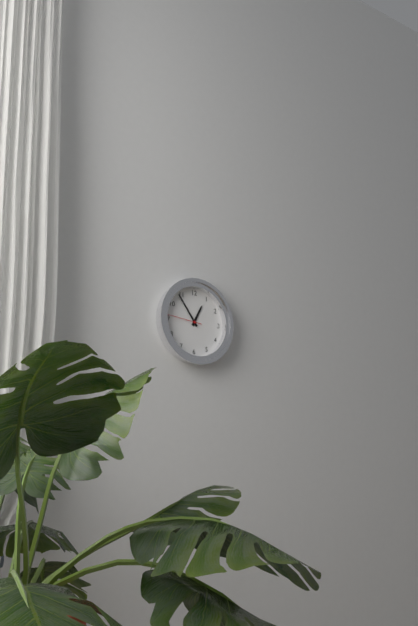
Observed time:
h=12 m=54
